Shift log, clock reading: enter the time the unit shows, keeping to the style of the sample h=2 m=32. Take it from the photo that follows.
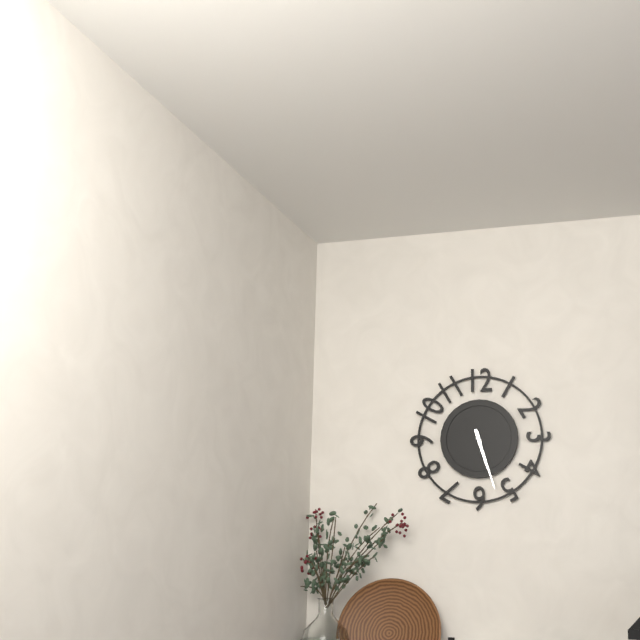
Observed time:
h=5 m=27
